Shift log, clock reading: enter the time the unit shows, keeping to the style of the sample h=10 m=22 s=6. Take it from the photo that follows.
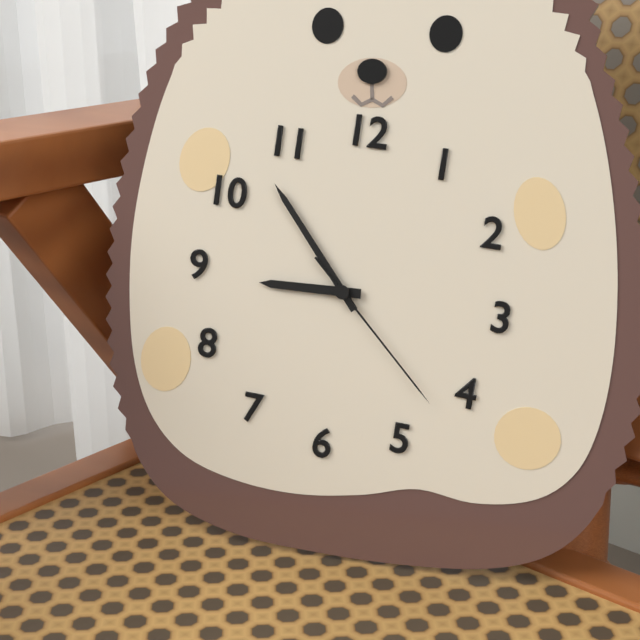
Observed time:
h=8 m=53 s=22
